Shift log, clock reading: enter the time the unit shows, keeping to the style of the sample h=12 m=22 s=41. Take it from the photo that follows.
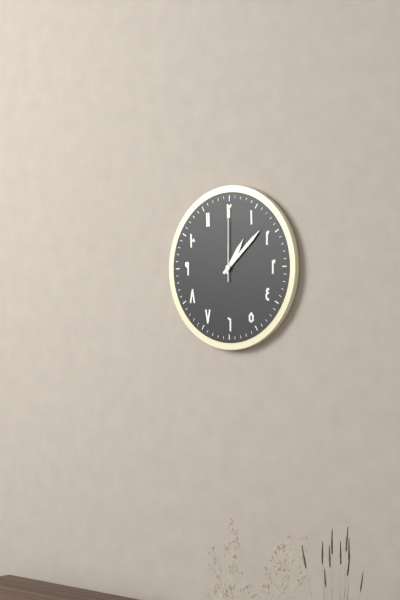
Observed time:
h=1 m=8 s=0
